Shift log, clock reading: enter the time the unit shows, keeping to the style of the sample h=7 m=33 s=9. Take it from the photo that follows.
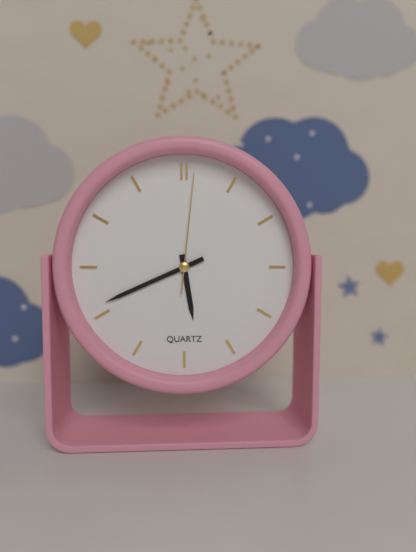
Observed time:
h=5 m=41 s=1
